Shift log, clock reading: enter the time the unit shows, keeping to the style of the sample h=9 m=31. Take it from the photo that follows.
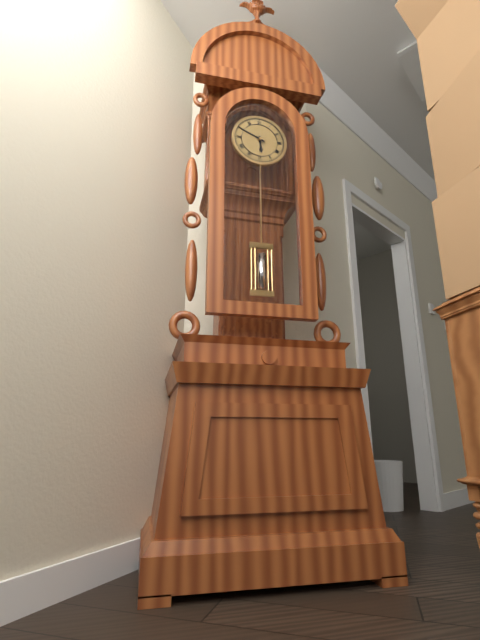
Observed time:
h=5 m=49
